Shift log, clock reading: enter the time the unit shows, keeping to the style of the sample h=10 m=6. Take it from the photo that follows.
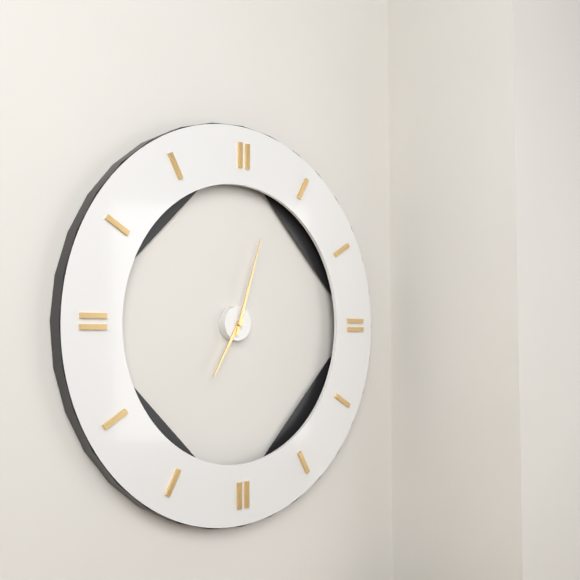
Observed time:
h=7 m=3
